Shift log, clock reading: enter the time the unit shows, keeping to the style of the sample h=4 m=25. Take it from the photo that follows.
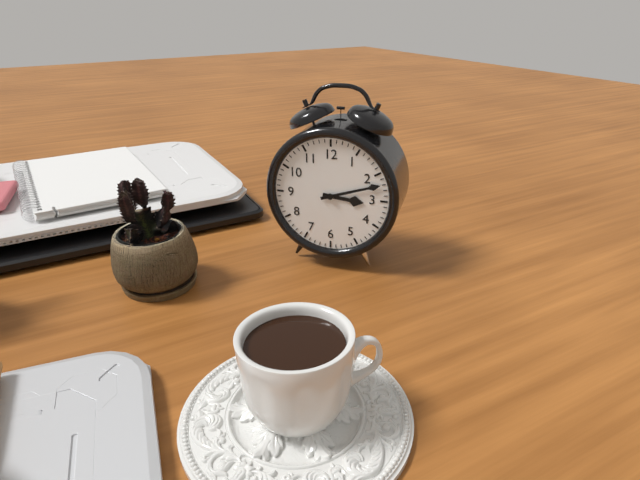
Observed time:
h=3 m=12
